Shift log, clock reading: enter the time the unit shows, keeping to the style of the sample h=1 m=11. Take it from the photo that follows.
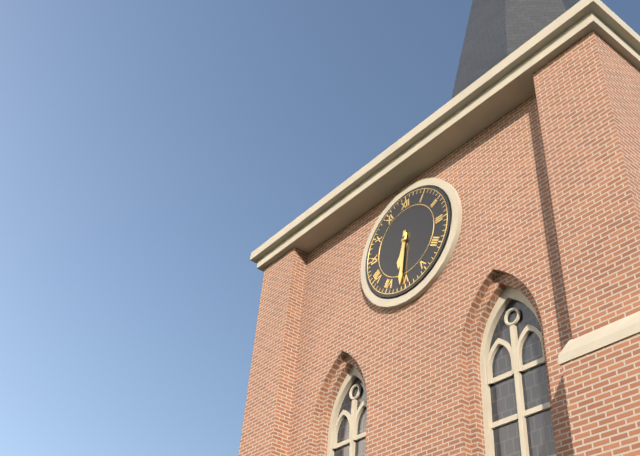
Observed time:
h=6 m=31
